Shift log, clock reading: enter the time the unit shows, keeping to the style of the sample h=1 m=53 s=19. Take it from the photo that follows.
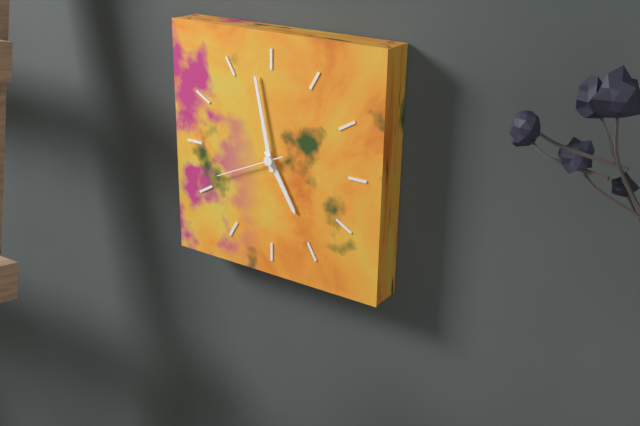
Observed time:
h=4 m=58 s=41
